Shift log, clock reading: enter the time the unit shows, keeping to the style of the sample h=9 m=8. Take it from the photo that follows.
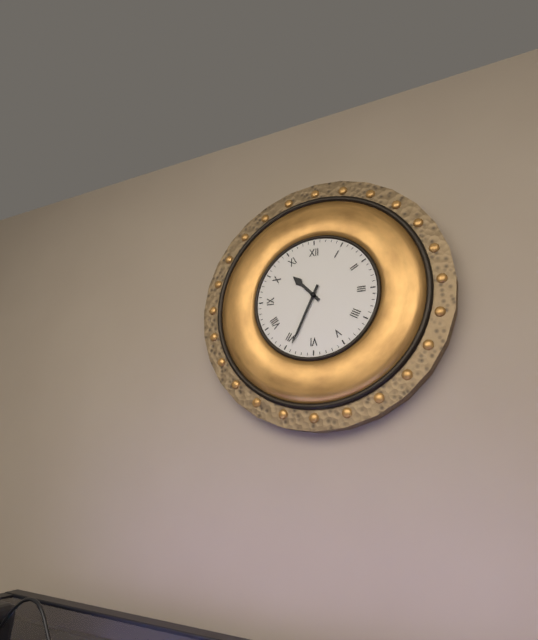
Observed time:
h=10 m=34
